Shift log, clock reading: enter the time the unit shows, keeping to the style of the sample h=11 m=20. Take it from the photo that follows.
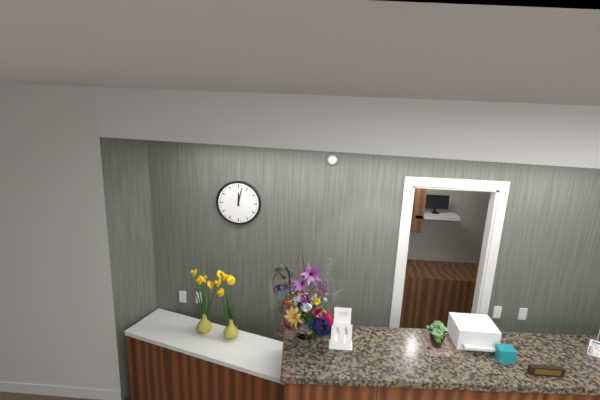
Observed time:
h=12 m=2
